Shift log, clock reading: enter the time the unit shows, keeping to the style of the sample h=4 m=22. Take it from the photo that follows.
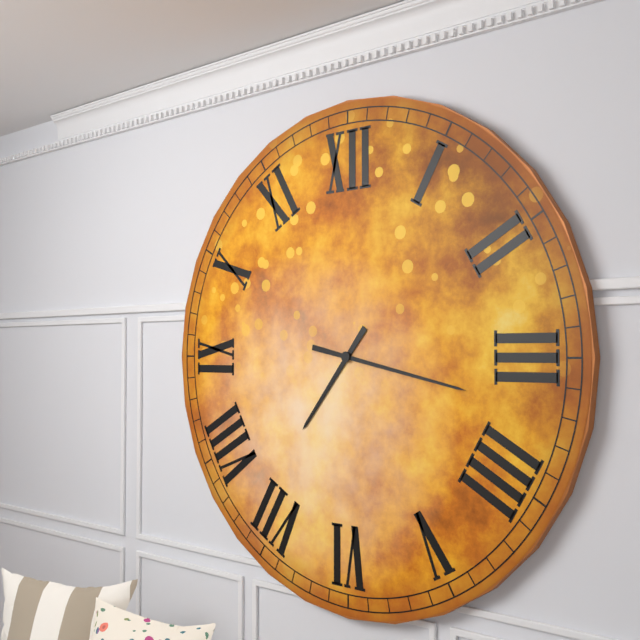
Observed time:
h=7 m=17
